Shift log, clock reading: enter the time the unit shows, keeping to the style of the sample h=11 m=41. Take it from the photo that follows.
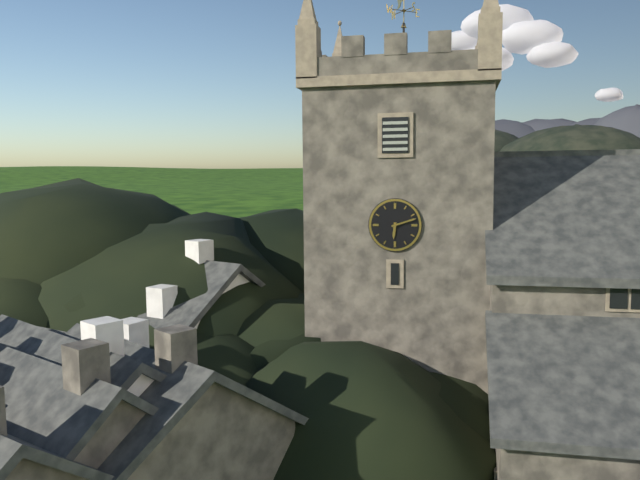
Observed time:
h=6 m=12
